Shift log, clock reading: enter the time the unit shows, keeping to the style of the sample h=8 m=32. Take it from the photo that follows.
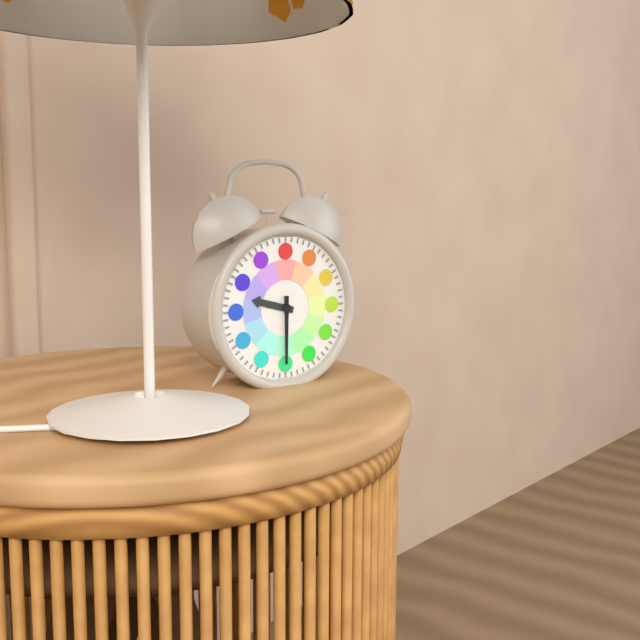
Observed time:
h=9 m=30
